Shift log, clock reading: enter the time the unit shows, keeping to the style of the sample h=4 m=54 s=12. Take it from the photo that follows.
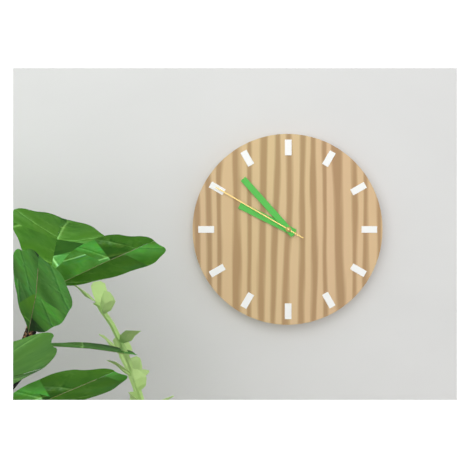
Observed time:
h=9 m=53 s=50
